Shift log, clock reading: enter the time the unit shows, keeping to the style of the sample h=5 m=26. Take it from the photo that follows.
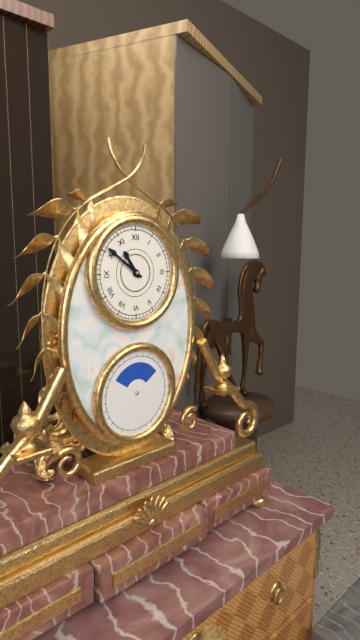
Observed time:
h=10 m=51
